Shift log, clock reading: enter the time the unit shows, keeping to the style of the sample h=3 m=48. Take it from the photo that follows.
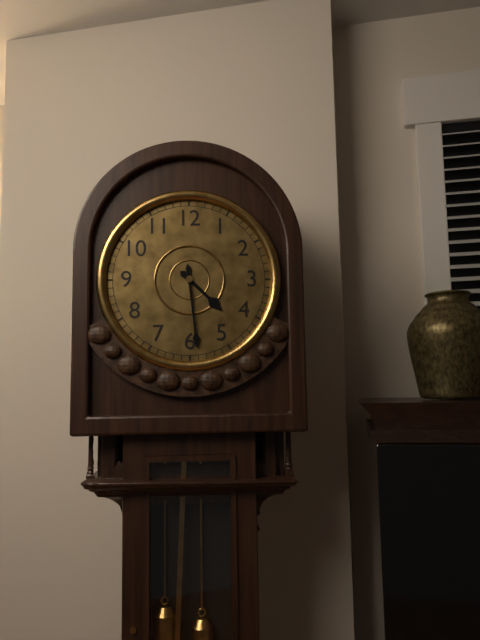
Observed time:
h=4 m=29
